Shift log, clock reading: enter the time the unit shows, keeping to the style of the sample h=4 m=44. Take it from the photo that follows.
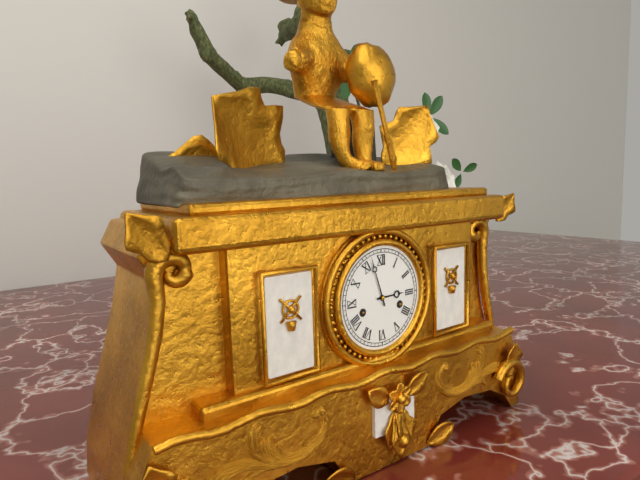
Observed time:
h=2 m=57
